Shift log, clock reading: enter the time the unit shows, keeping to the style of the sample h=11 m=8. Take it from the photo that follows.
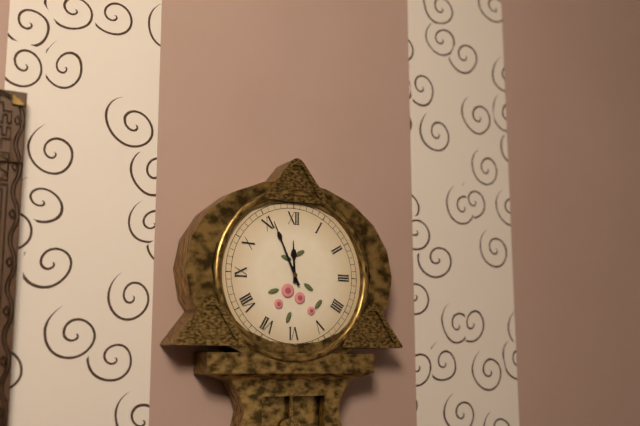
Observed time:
h=11 m=56
